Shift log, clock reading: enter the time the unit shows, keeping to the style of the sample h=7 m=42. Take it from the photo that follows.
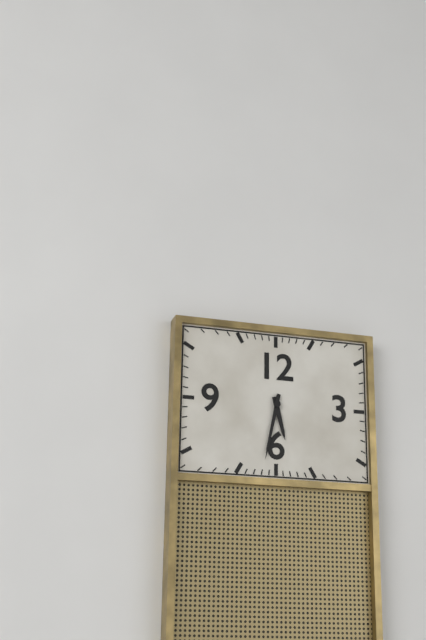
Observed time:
h=5 m=32
